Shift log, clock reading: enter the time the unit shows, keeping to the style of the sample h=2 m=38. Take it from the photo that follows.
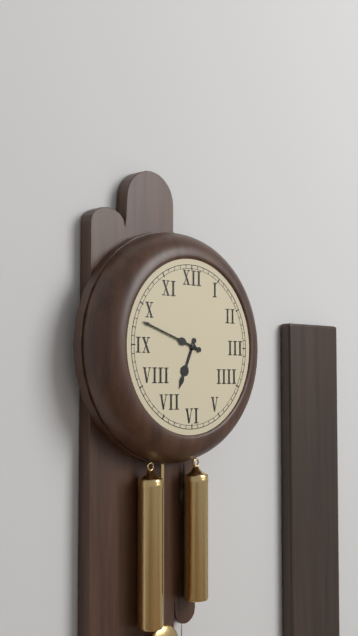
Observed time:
h=6 m=48
